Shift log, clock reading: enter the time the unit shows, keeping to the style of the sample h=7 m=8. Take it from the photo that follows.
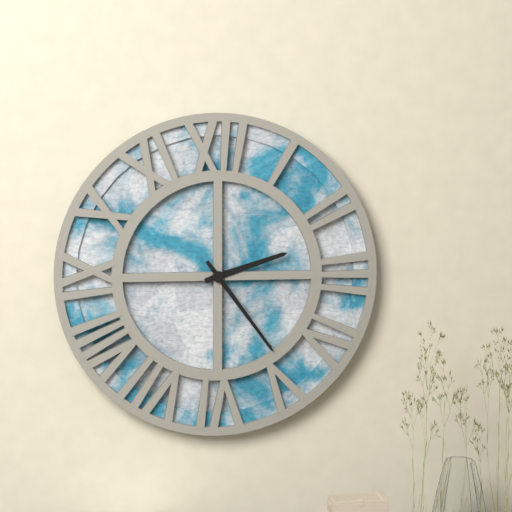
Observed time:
h=2 m=24
